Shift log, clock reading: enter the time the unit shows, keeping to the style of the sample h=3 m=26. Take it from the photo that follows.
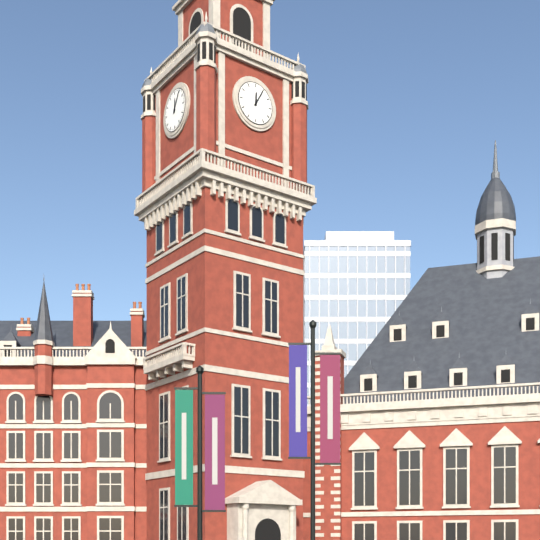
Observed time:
h=12 m=5
